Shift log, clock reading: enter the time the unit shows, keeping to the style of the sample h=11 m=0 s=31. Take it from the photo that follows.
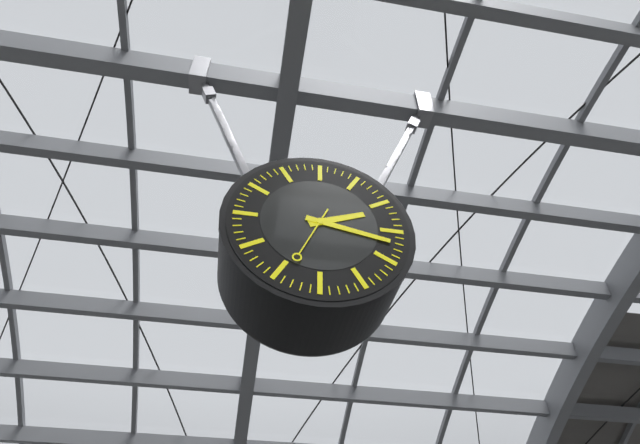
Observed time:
h=2 m=17 s=34
